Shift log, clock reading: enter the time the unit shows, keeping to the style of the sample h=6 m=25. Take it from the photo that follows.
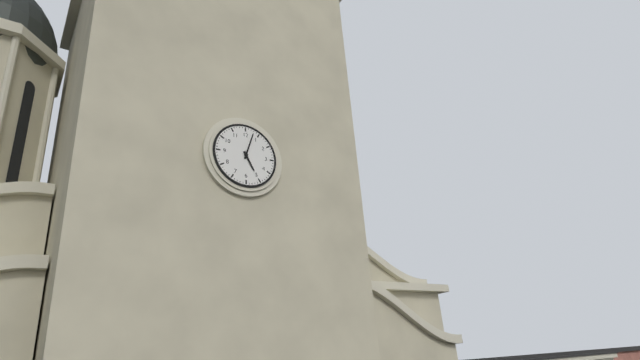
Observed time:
h=5 m=3
